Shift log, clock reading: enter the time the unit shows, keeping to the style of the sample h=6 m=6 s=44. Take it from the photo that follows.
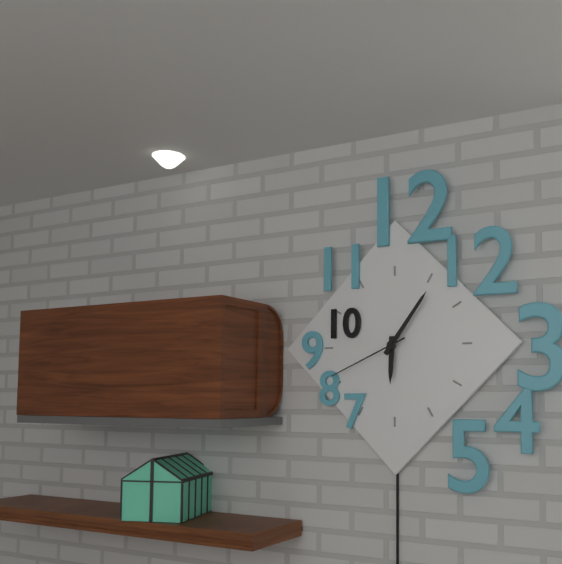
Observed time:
h=6 m=6 s=41
